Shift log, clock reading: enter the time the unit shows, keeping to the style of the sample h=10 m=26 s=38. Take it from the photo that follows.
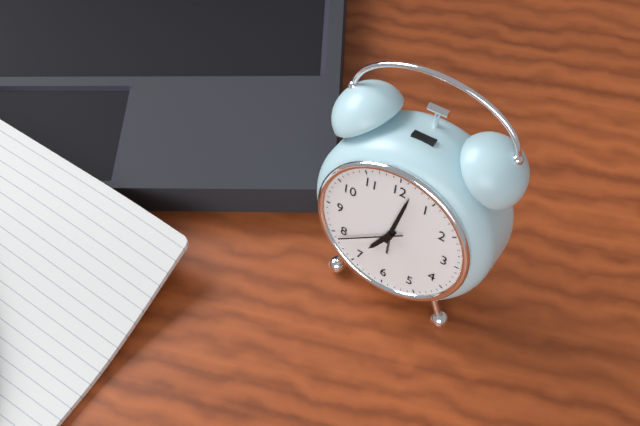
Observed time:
h=7 m=2 s=39
